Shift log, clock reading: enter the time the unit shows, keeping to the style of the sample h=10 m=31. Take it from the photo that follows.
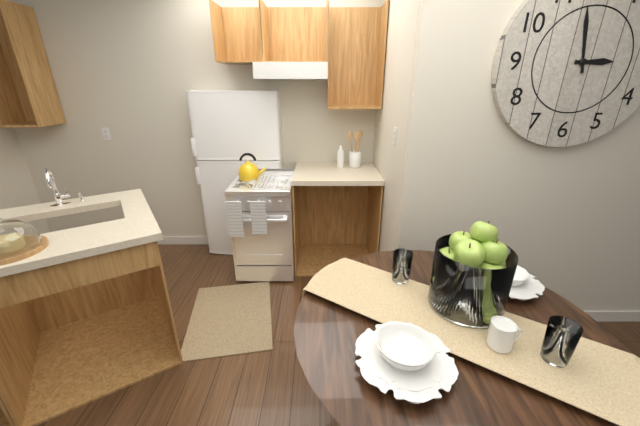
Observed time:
h=2 m=58
